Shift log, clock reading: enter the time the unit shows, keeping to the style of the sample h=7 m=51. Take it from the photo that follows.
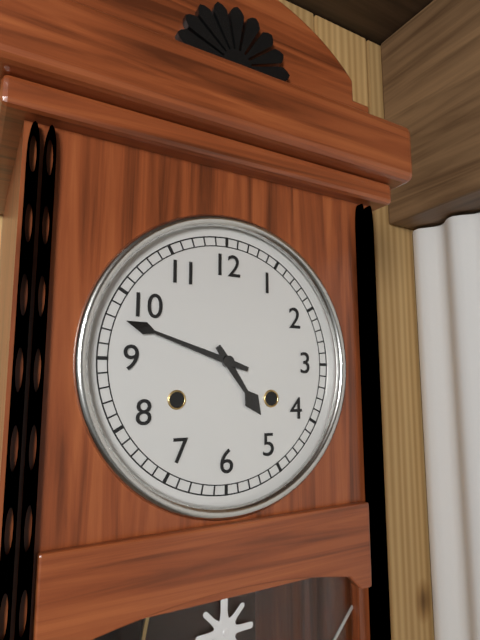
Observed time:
h=4 m=48
